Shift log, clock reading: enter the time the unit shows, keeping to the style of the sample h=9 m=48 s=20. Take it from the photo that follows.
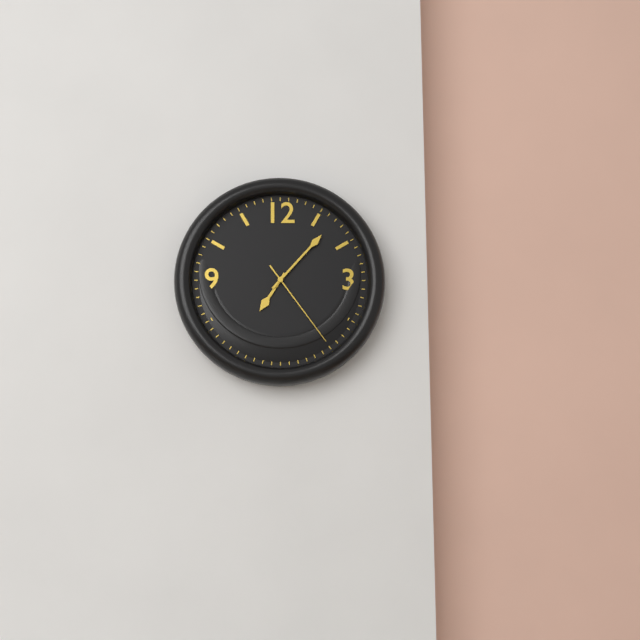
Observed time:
h=7 m=7 s=24
